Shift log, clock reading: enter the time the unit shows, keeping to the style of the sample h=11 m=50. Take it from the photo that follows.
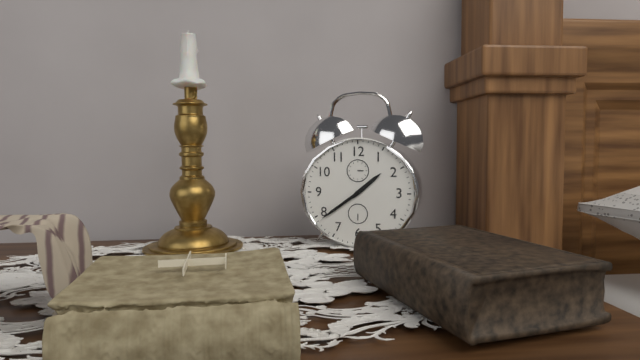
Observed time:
h=1 m=39
